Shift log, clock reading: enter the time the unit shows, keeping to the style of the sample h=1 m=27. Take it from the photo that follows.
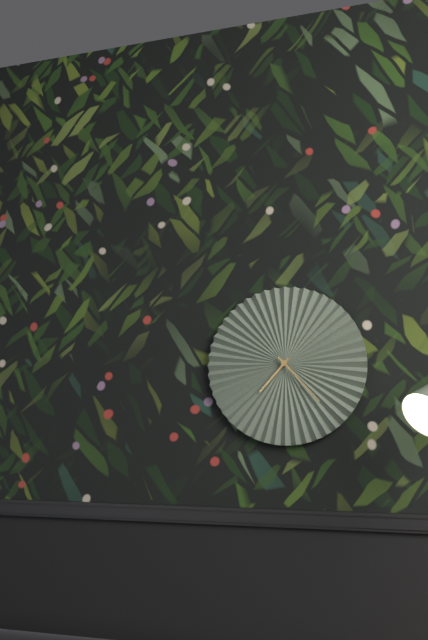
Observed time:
h=7 m=23
